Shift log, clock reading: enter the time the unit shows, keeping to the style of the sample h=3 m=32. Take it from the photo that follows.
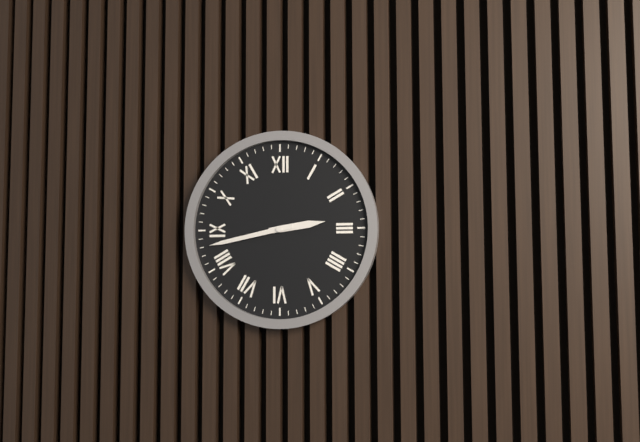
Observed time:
h=2 m=43
